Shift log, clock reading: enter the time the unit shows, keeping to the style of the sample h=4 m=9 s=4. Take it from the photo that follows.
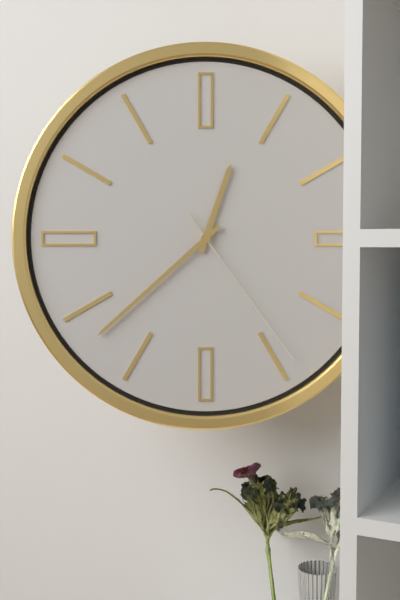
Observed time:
h=12 m=38 s=24
